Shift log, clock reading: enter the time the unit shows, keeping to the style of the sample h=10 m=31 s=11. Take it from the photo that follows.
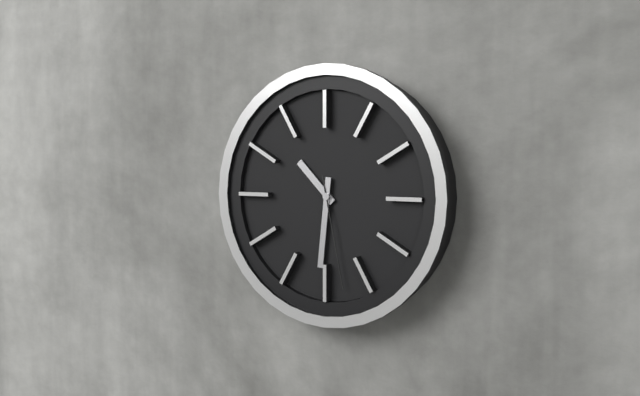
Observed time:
h=10 m=31 s=28
